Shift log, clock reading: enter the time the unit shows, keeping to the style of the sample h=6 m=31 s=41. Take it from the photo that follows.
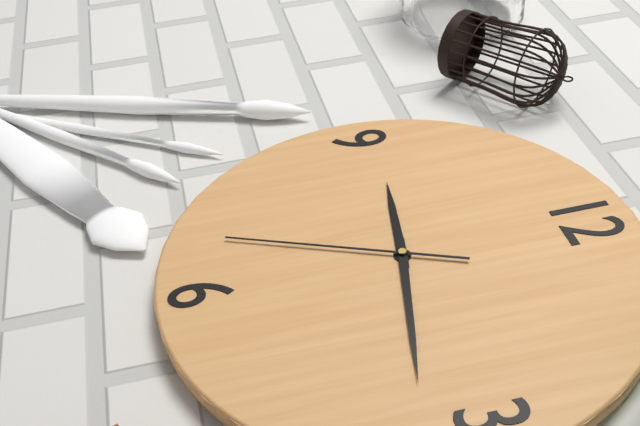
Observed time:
h=9 m=17 s=34
